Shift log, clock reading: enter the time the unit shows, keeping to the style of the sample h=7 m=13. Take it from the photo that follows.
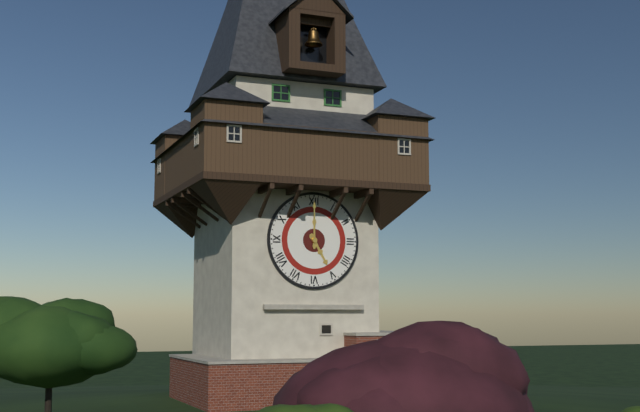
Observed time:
h=5 m=0
